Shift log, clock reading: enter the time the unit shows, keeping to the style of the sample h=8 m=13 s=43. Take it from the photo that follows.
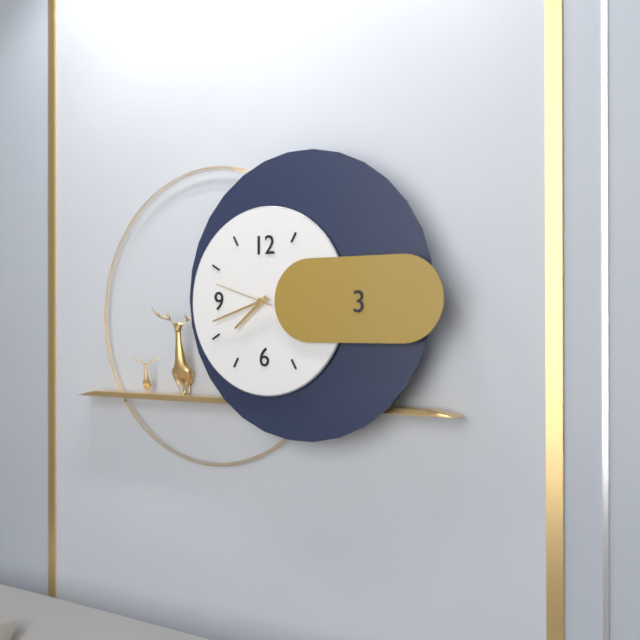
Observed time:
h=7 m=42 s=48
